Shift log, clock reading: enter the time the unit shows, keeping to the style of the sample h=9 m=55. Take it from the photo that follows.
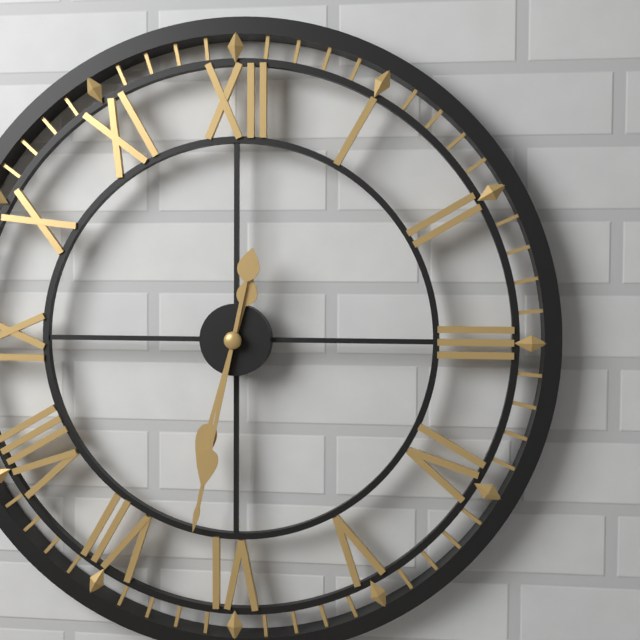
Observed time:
h=6 m=32
